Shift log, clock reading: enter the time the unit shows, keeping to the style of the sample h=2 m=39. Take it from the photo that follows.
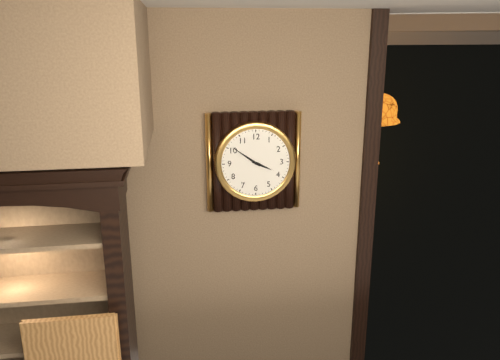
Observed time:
h=3 m=51
